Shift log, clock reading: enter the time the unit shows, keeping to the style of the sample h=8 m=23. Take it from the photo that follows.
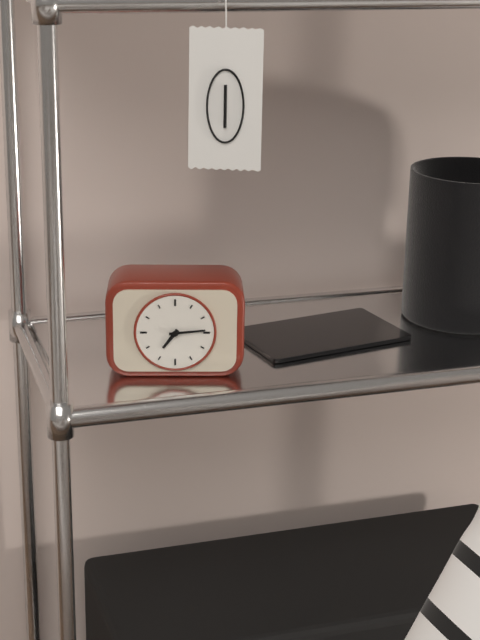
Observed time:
h=7 m=14
